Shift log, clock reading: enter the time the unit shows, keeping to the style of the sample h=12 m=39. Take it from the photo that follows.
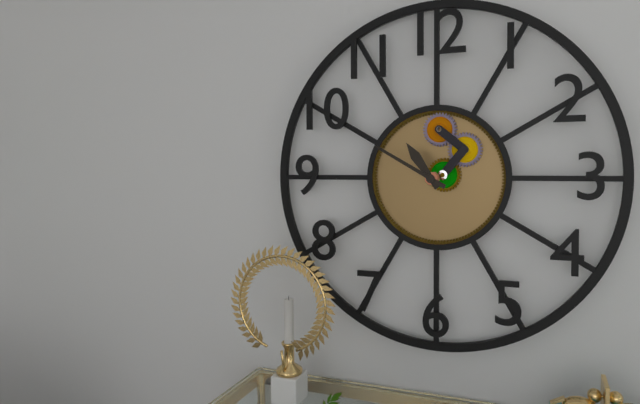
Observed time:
h=10 m=50
